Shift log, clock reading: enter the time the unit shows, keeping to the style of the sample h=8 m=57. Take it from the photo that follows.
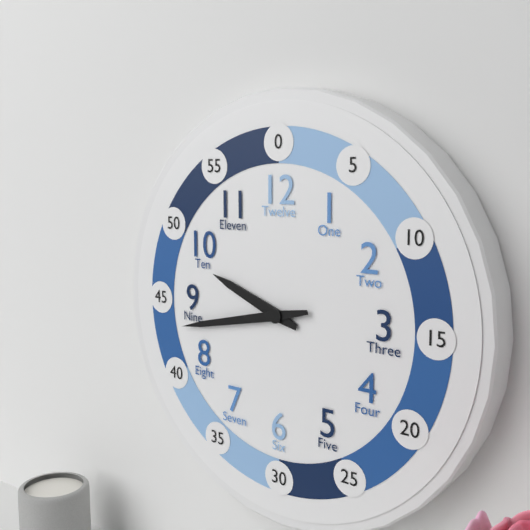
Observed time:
h=9 m=43
